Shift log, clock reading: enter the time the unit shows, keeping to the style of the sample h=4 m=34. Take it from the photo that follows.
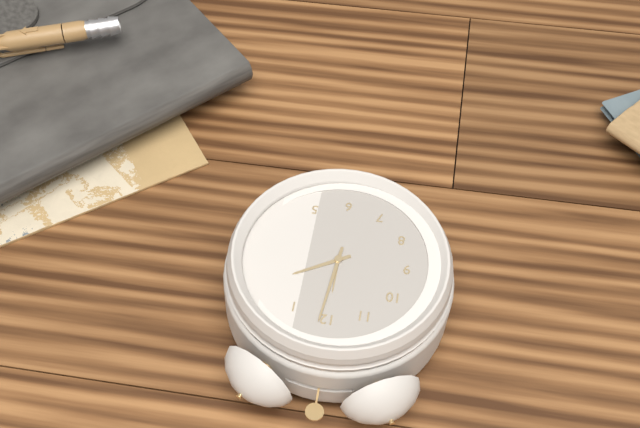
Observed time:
h=2 m=1
